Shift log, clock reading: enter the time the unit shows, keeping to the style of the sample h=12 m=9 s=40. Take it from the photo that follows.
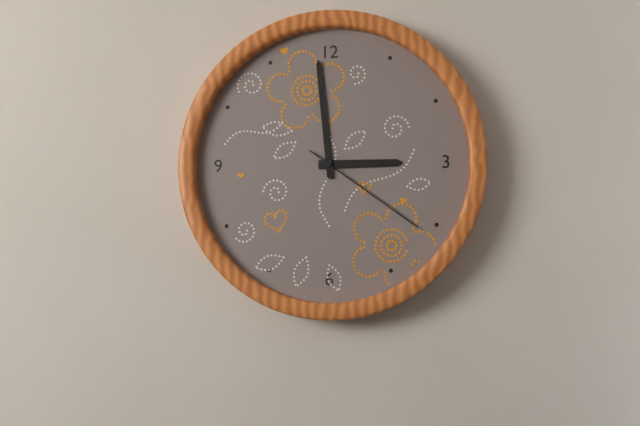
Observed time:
h=2 m=59 s=21
